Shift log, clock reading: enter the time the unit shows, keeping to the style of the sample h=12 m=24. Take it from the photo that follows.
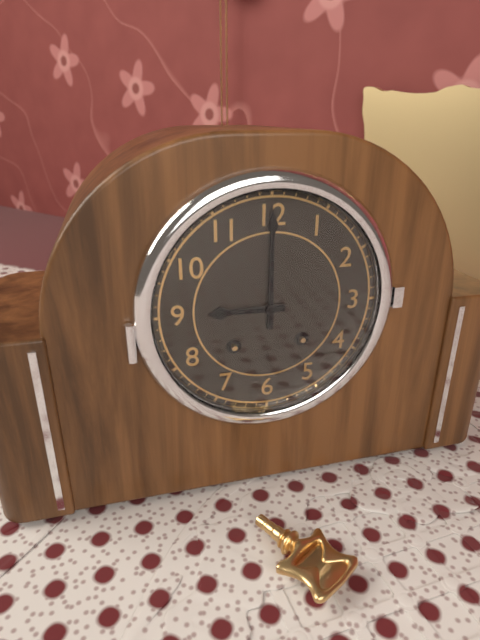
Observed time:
h=9 m=0
